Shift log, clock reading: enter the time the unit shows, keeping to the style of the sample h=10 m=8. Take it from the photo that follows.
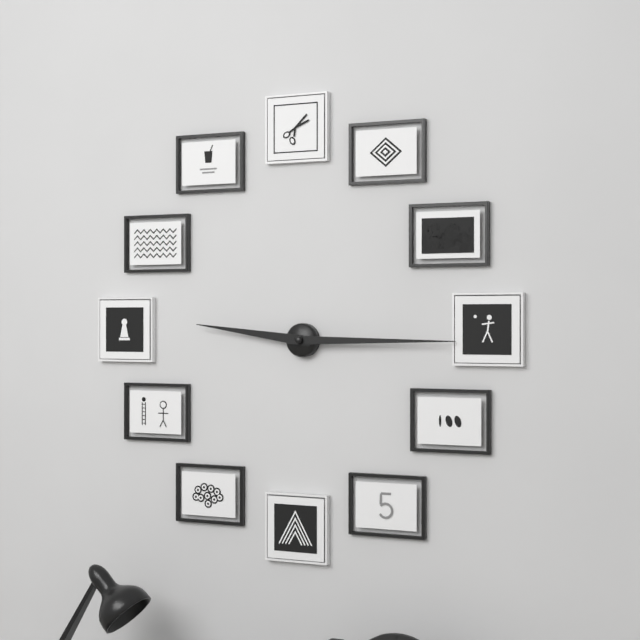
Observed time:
h=9 m=15
